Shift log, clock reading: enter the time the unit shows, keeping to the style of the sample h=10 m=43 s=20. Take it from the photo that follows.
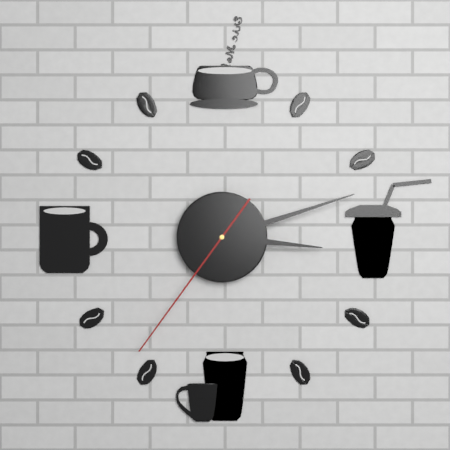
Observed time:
h=3 m=12 s=36
